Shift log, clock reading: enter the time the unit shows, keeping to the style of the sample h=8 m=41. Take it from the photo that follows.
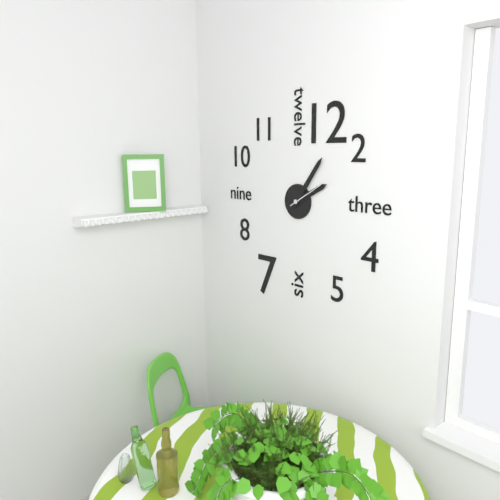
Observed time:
h=2 m=6
